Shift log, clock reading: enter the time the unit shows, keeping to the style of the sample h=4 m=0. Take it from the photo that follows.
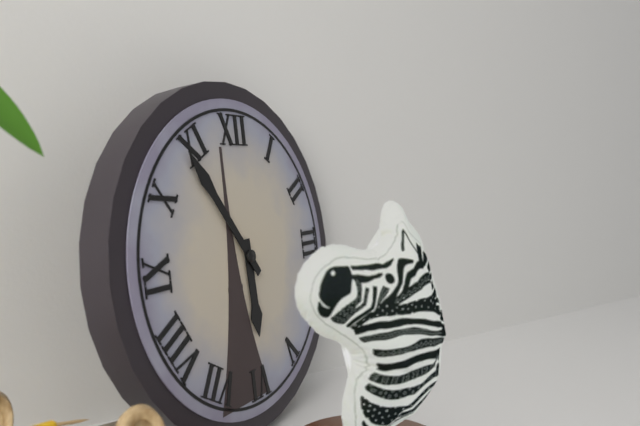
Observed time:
h=5 m=54
